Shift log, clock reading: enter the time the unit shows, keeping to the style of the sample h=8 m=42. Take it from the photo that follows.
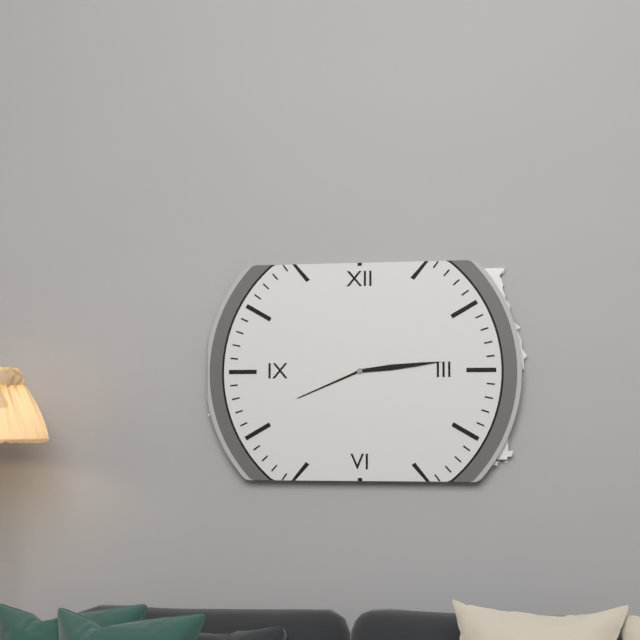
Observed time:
h=8 m=14
